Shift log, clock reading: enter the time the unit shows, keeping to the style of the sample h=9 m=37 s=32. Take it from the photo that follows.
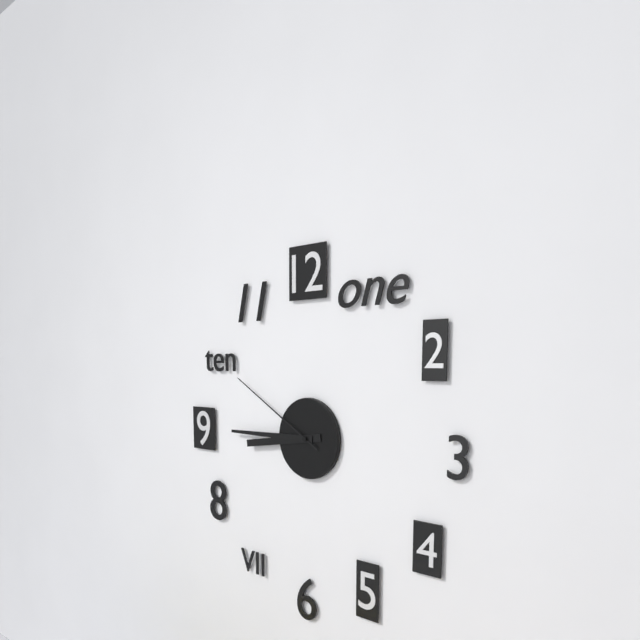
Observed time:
h=8 m=45 s=50
